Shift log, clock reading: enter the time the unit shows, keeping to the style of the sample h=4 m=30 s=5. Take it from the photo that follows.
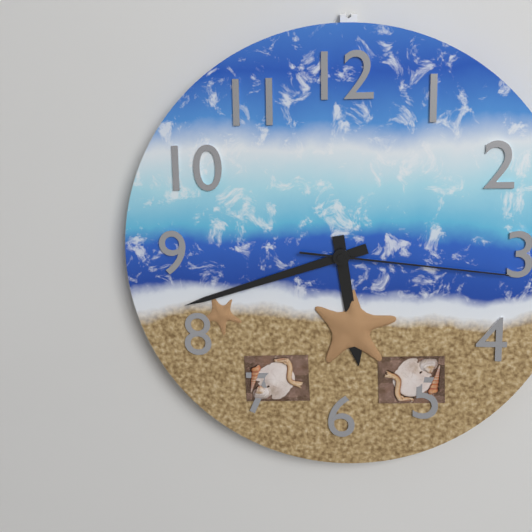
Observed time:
h=5 m=42 s=16
